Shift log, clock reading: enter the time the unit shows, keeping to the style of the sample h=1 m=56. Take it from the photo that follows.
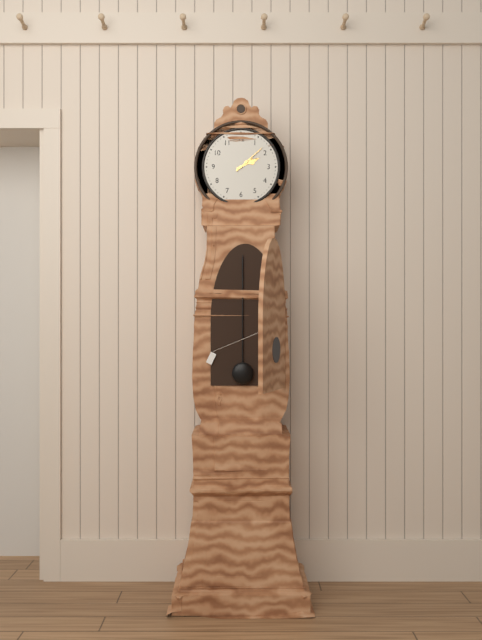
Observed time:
h=2 m=8
